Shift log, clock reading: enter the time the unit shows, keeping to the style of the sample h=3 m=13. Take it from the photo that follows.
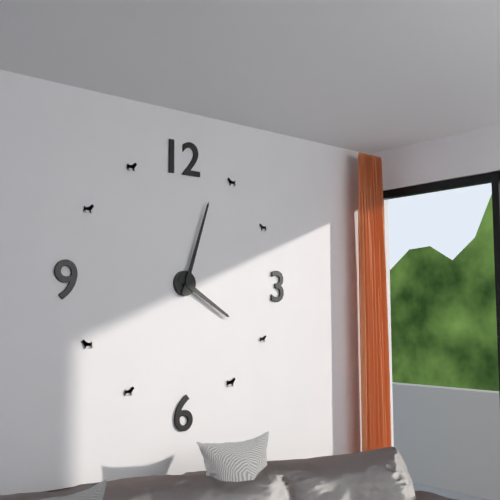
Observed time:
h=4 m=3
